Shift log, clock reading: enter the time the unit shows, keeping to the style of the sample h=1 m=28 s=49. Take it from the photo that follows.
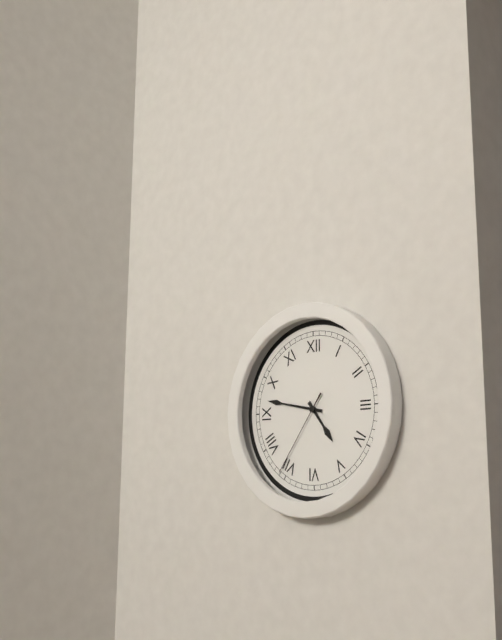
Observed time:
h=4 m=47 s=36
